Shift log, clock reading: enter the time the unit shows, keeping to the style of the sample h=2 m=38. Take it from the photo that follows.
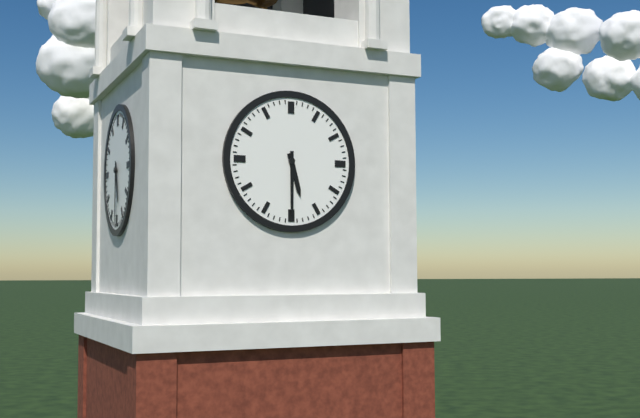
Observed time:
h=5 m=30
